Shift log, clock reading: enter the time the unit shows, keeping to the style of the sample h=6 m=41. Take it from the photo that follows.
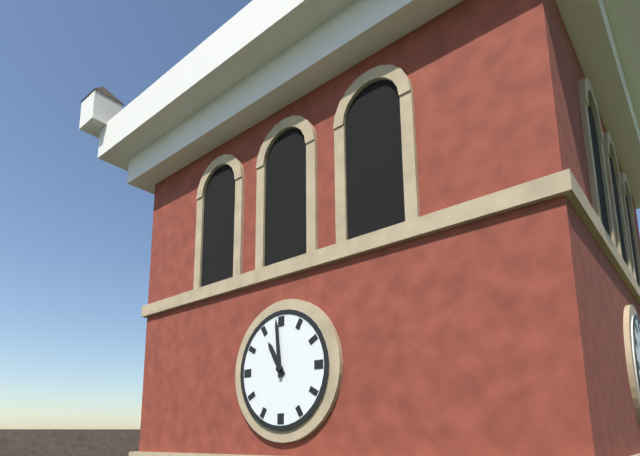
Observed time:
h=10 m=59
